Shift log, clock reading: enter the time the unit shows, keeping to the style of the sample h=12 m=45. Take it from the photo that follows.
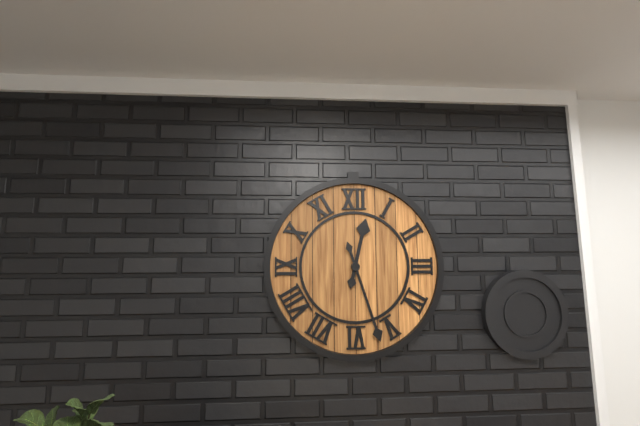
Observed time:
h=12 m=27
